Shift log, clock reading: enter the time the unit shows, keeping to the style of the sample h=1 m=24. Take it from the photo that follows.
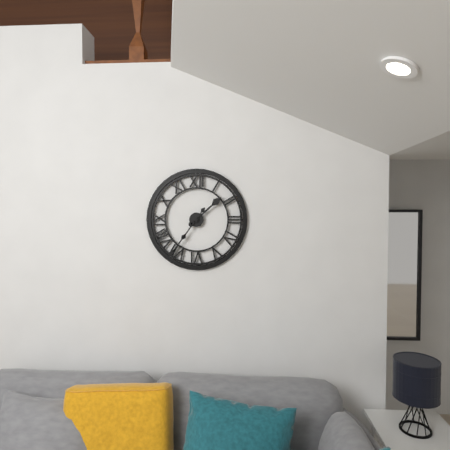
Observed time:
h=1 m=36
